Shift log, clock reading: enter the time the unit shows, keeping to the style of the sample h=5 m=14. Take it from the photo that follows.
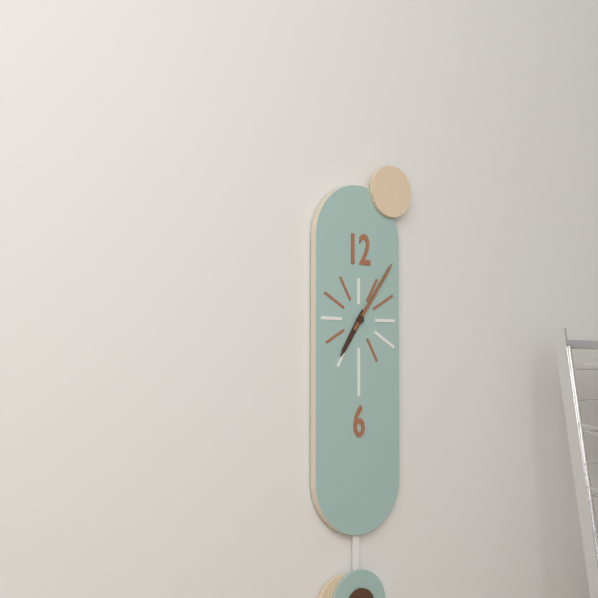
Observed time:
h=7 m=6
